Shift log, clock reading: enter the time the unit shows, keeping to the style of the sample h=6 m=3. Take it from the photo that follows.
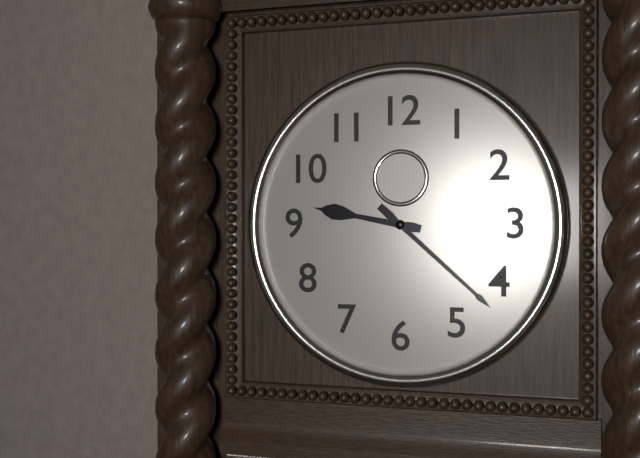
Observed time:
h=9 m=22
